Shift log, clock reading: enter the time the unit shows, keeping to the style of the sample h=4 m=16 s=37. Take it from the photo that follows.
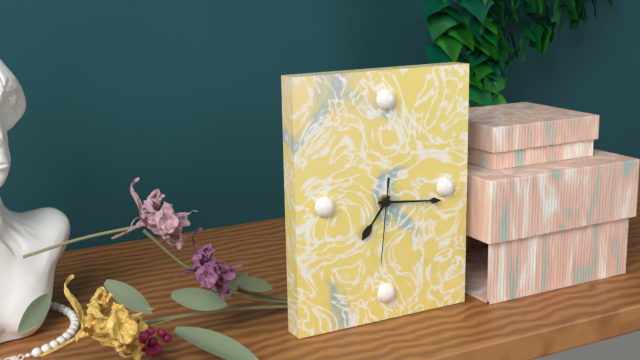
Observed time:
h=7 m=16 s=31
